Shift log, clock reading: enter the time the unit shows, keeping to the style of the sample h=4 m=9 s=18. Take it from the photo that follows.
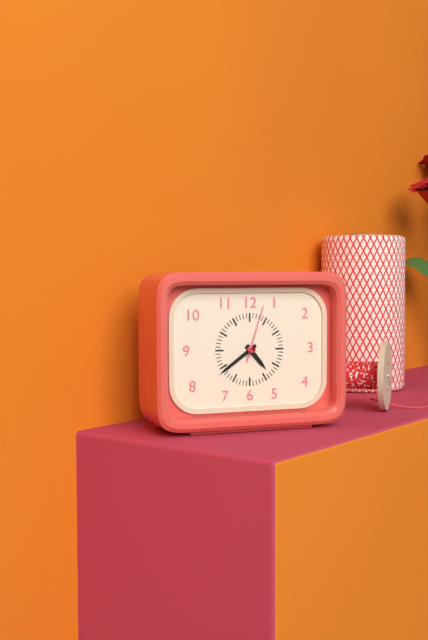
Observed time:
h=4 m=39 s=3
